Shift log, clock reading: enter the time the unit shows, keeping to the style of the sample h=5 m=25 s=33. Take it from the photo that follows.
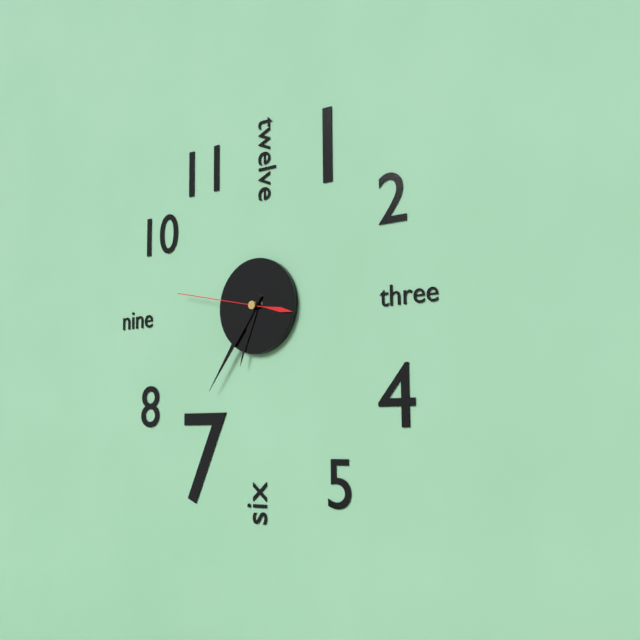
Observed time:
h=6 m=36 s=47
